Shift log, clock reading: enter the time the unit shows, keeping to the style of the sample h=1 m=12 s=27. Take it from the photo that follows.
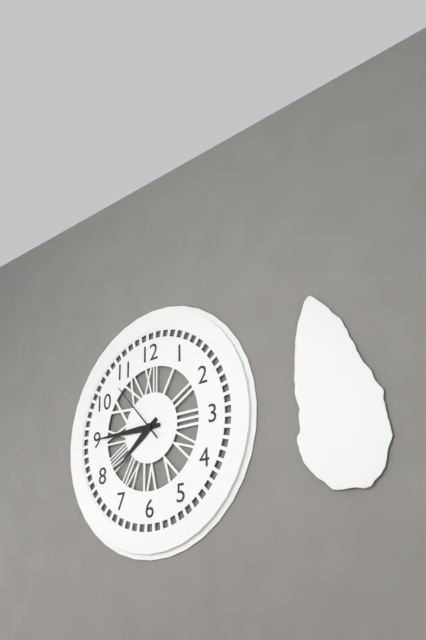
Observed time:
h=7 m=45 s=53
